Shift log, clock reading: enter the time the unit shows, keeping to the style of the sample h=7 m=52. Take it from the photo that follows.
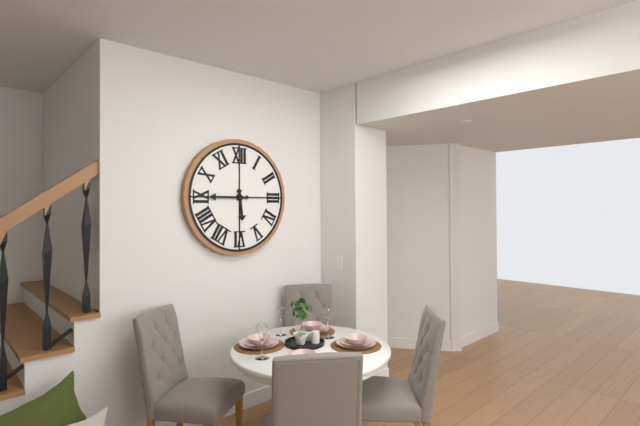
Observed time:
h=5 m=45
